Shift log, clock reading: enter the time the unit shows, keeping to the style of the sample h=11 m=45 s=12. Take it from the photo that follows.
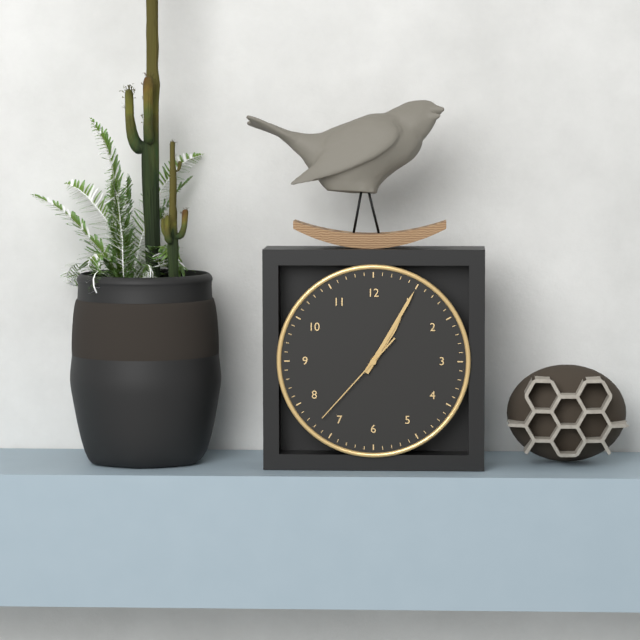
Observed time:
h=1 m=5 s=37
